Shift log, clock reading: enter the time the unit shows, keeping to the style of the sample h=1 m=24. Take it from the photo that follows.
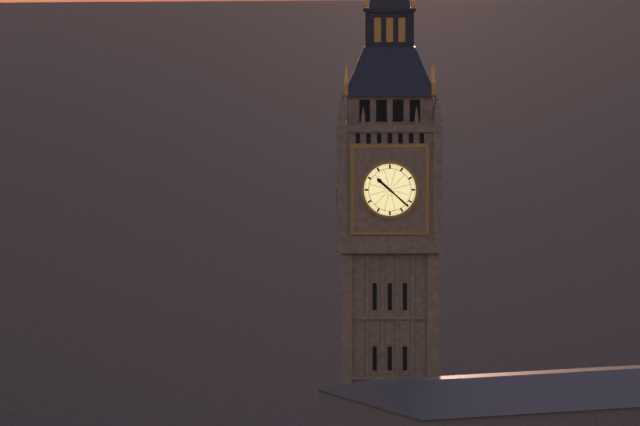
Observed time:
h=10 m=22
